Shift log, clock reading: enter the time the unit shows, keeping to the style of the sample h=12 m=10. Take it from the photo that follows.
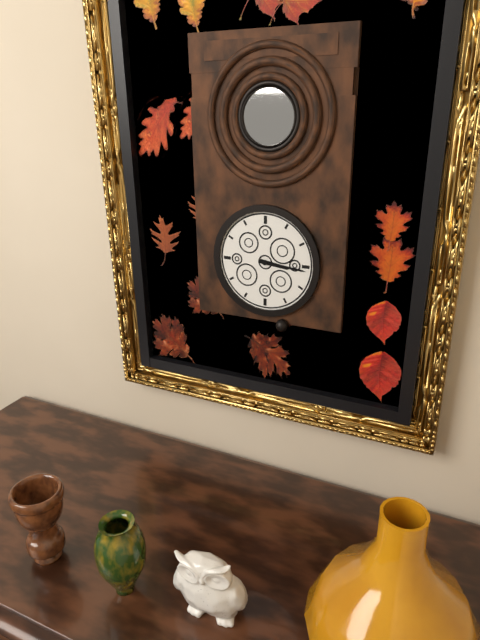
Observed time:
h=3 m=16
